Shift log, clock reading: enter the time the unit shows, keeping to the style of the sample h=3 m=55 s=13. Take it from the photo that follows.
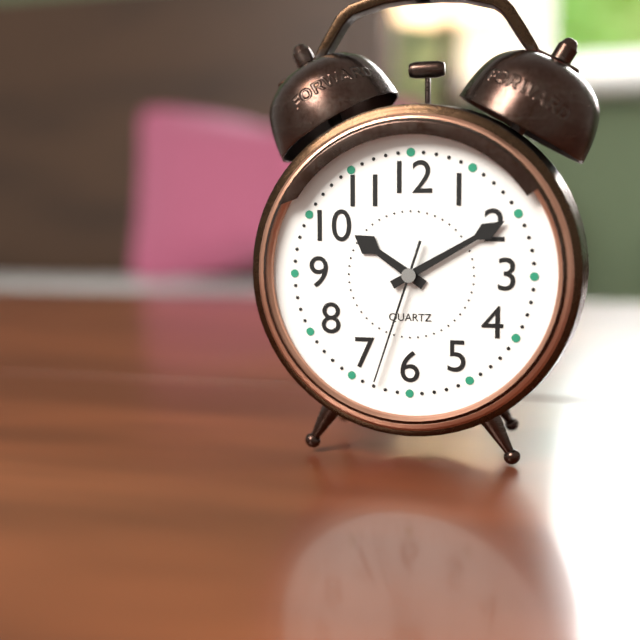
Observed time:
h=10 m=10 s=33
